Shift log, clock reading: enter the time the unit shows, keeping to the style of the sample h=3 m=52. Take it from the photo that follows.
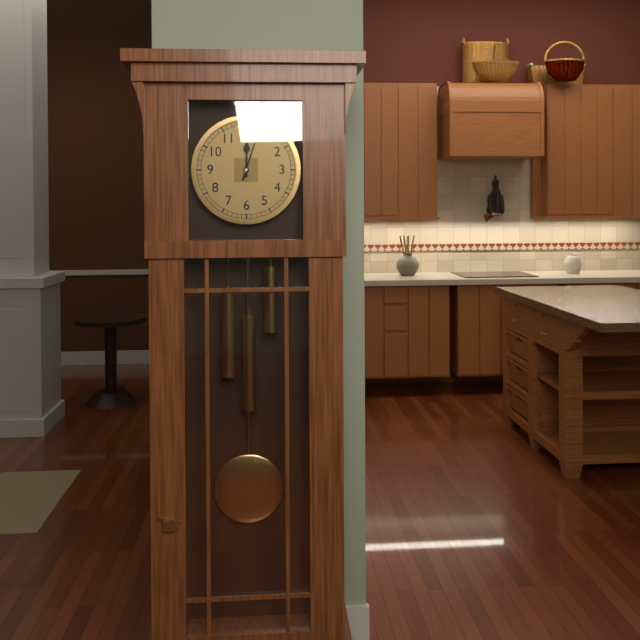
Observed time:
h=12 m=3
